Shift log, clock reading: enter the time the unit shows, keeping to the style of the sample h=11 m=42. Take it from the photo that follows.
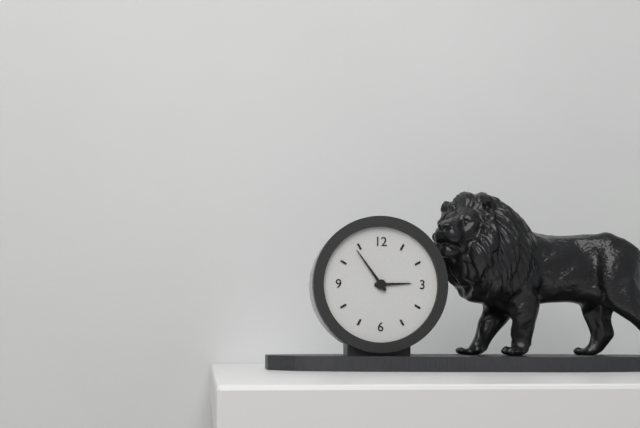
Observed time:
h=2 m=54
